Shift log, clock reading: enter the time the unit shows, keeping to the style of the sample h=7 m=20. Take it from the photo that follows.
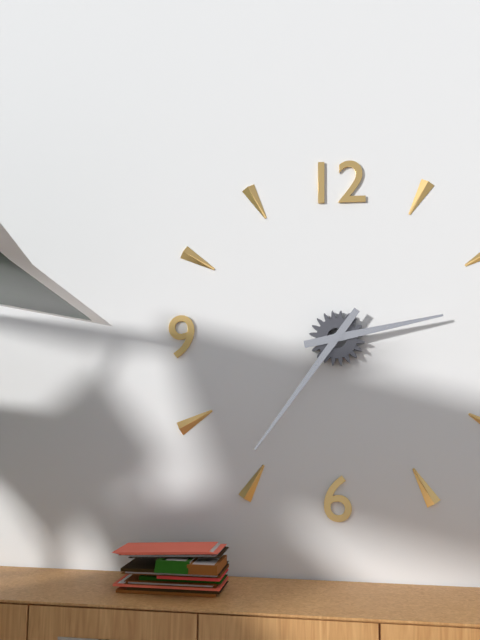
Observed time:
h=2 m=36
